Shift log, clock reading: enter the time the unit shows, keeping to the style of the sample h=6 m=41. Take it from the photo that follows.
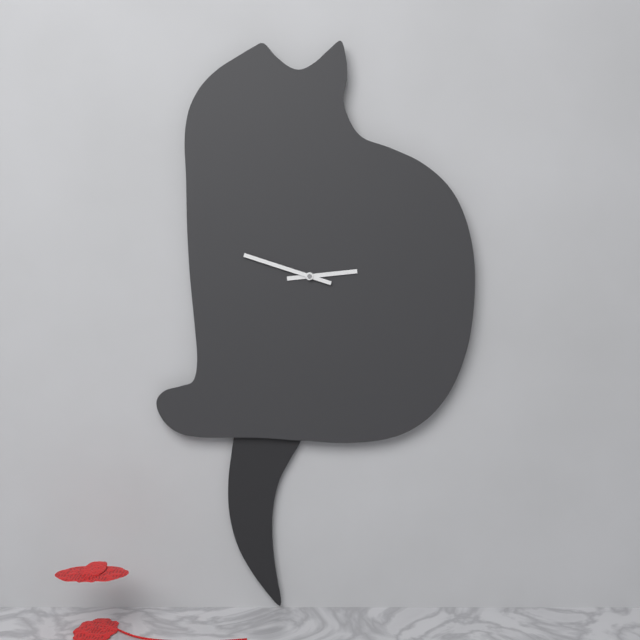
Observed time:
h=2 m=48
